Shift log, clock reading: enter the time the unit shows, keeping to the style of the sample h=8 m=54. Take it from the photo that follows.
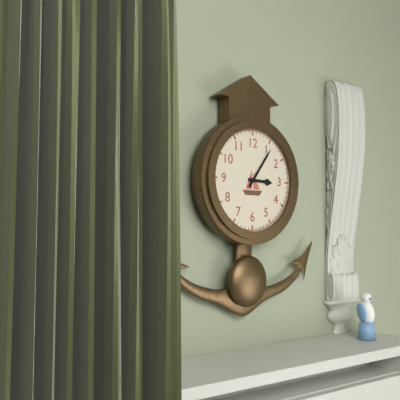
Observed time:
h=3 m=6
